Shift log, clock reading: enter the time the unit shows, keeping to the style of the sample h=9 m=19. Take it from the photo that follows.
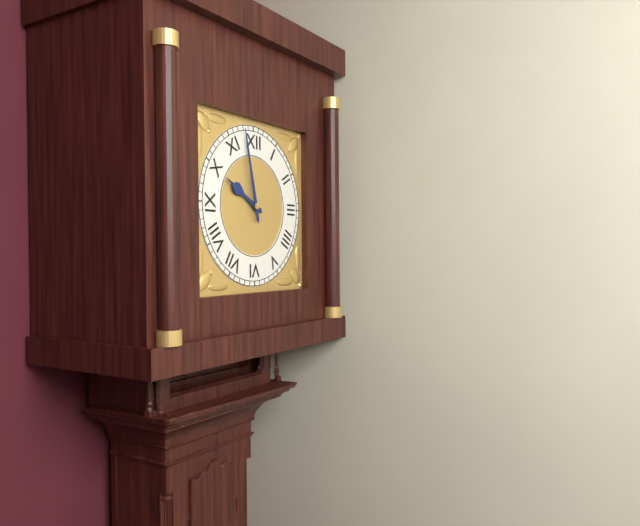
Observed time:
h=9 m=58
